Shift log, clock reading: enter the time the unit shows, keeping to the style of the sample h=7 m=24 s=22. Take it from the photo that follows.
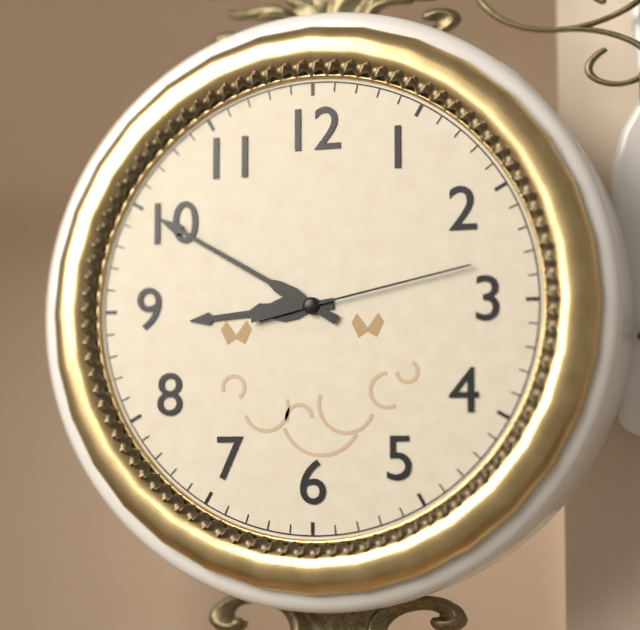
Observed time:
h=8 m=50 s=13
